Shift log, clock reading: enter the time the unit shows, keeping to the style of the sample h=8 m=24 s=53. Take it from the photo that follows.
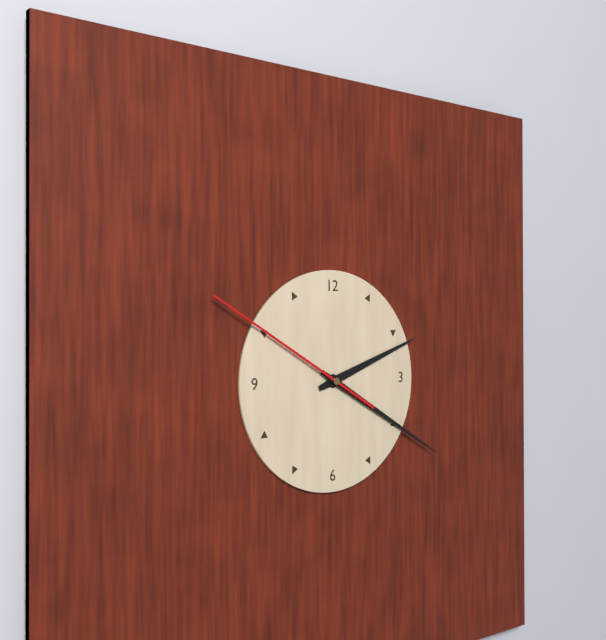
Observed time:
h=2 m=20 s=50
